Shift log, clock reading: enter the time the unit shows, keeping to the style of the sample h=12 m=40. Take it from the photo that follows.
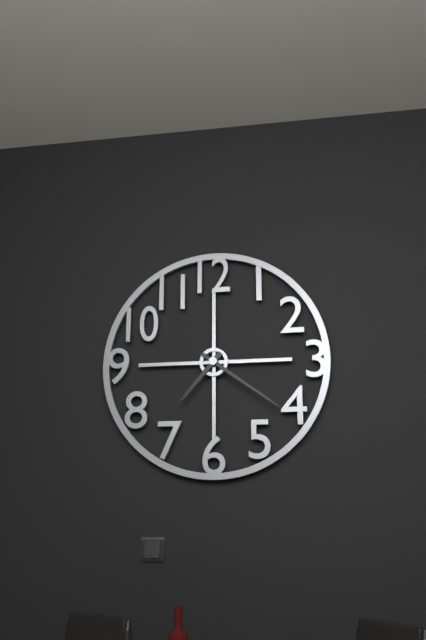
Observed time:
h=7 m=21
